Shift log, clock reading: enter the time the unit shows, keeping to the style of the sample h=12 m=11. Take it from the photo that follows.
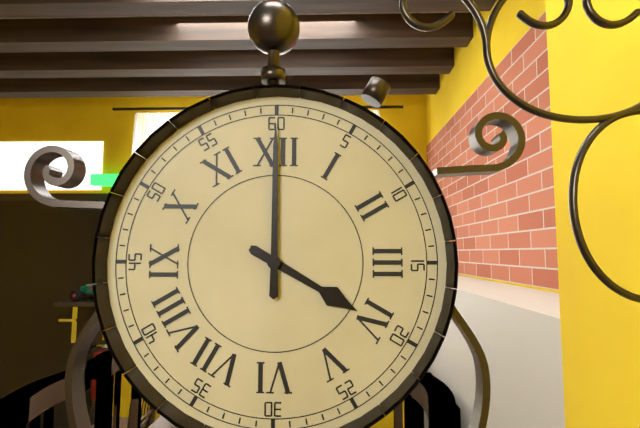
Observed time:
h=4 m=0
